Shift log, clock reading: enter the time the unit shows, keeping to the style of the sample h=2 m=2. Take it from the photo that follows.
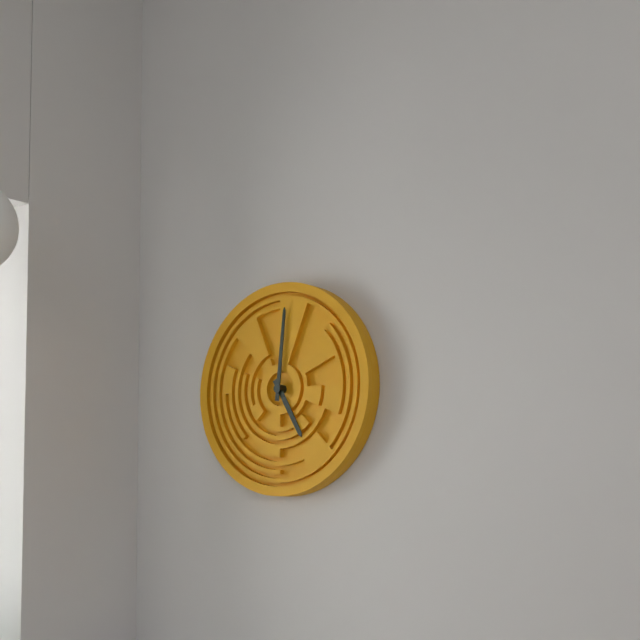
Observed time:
h=5 m=1
